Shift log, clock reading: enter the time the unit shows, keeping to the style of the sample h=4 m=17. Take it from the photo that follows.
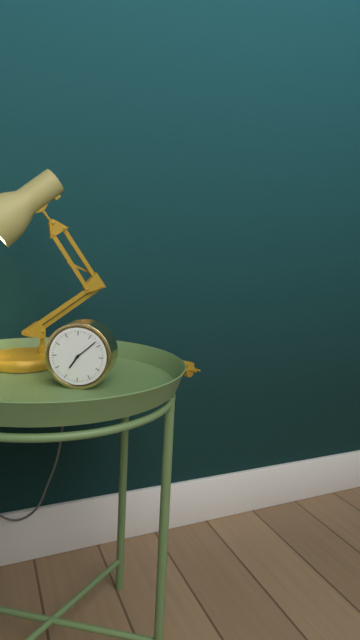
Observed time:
h=7 m=8
